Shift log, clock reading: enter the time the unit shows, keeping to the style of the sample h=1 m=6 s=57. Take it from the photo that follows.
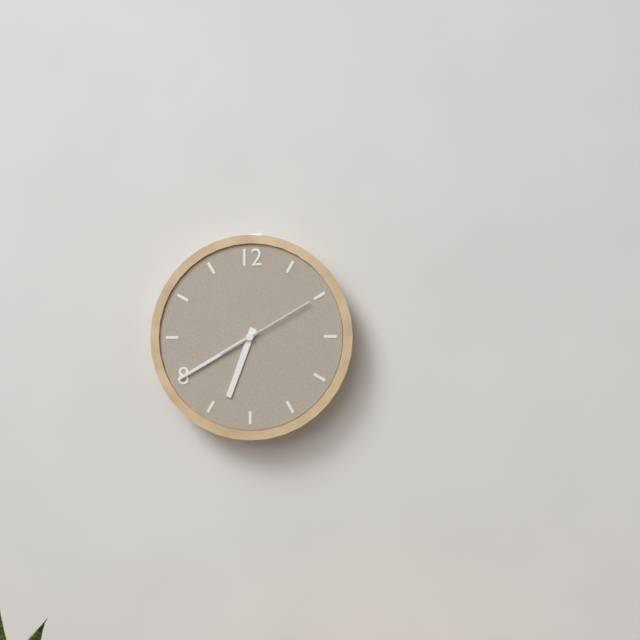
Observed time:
h=6 m=40 s=10
